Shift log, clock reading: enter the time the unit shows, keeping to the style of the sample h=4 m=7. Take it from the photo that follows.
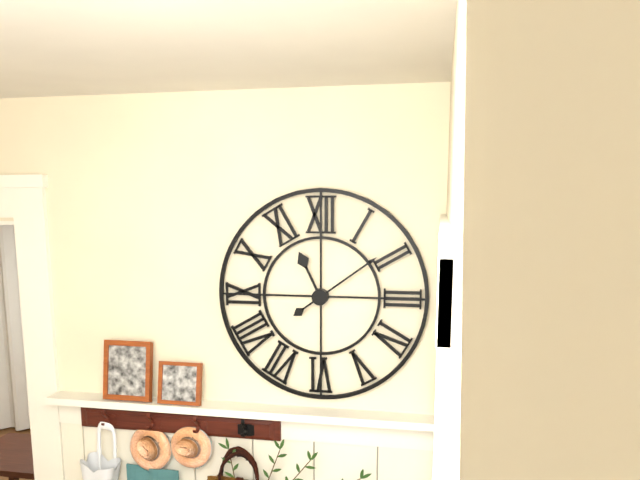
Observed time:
h=11 m=9
